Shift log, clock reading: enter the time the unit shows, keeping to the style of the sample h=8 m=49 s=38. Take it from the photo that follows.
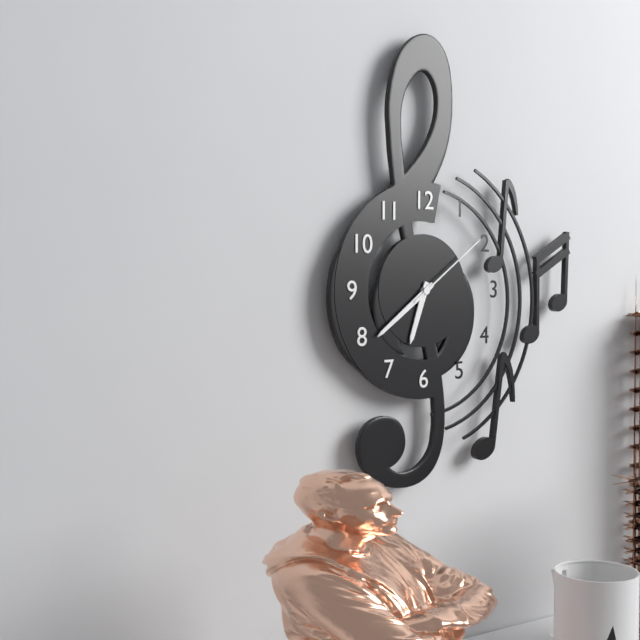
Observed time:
h=6 m=39 s=9
